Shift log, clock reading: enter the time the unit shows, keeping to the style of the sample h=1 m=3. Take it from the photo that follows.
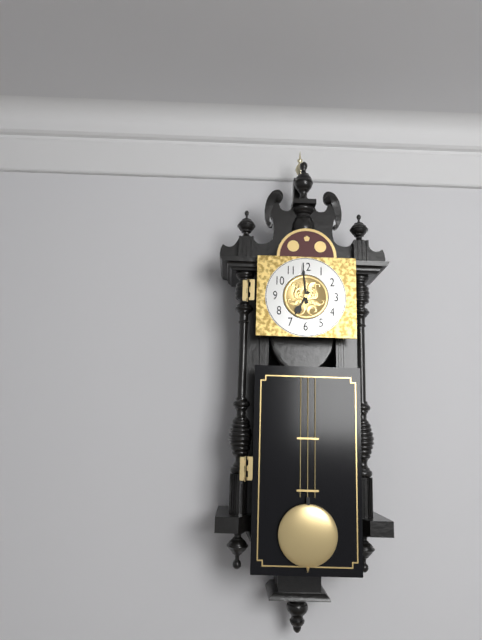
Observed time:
h=6 m=59
